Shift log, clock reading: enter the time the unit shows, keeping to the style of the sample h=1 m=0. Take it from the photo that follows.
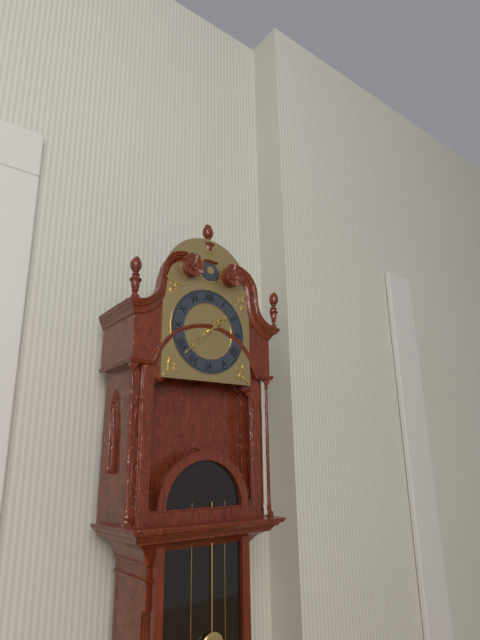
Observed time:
h=1 m=38
